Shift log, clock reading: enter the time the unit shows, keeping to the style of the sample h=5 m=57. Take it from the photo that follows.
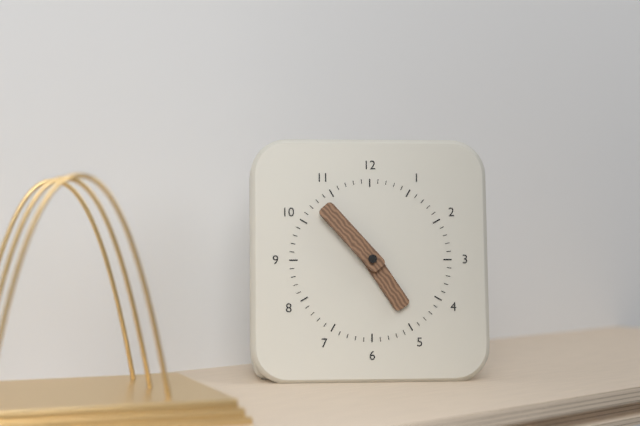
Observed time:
h=4 m=53
